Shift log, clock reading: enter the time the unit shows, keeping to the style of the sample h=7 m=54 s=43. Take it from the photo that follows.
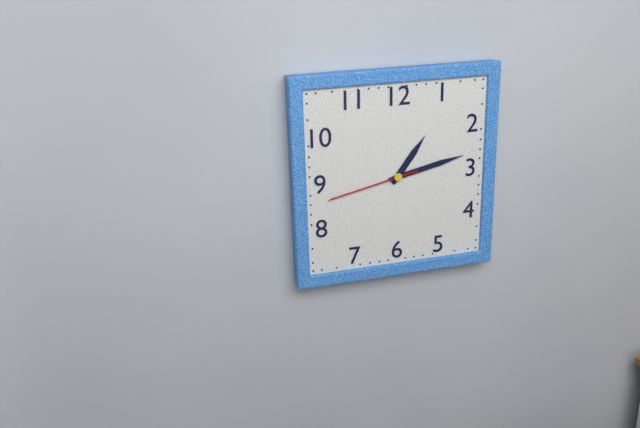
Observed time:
h=1 m=13 s=43
